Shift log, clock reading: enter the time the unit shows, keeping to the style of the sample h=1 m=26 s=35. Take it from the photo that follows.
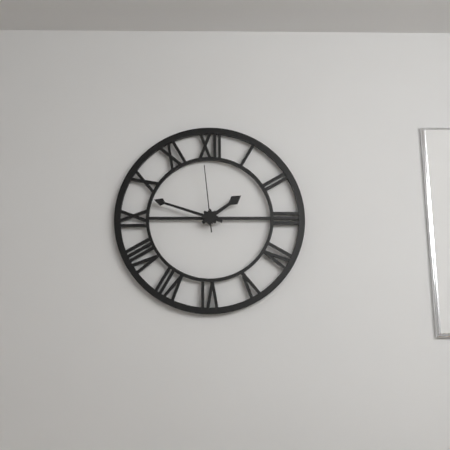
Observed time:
h=1 m=48 s=59
